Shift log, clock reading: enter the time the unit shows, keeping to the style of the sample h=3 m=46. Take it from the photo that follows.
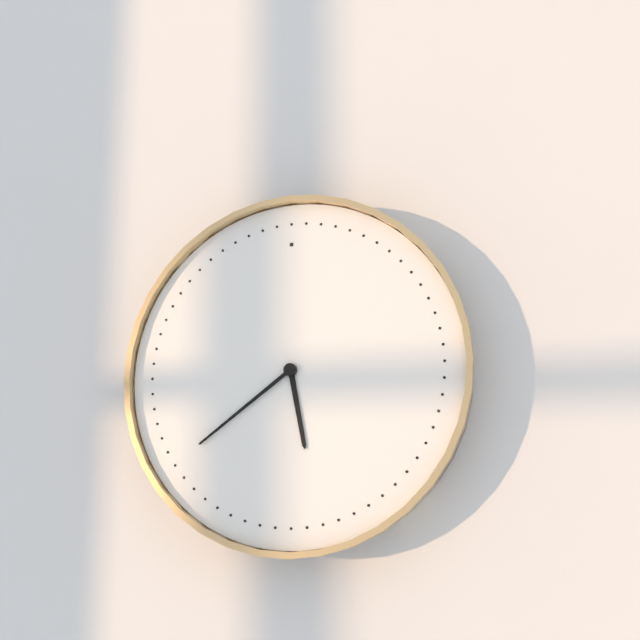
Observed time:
h=5 m=39
